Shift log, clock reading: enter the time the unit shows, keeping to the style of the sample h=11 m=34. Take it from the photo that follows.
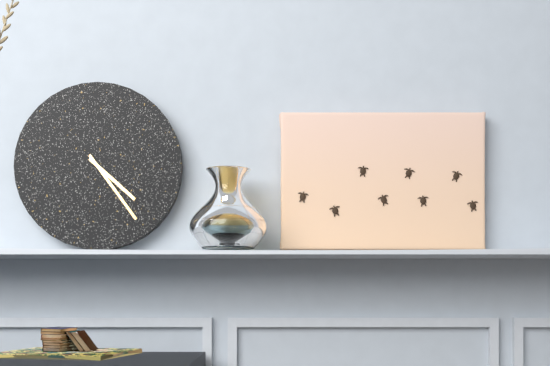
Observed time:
h=4 m=24
